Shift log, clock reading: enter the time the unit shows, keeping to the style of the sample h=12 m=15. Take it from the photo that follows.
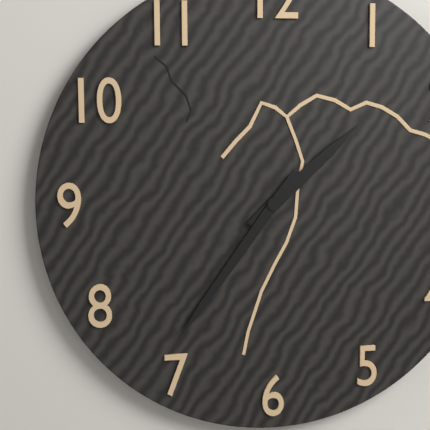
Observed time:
h=1 m=36
